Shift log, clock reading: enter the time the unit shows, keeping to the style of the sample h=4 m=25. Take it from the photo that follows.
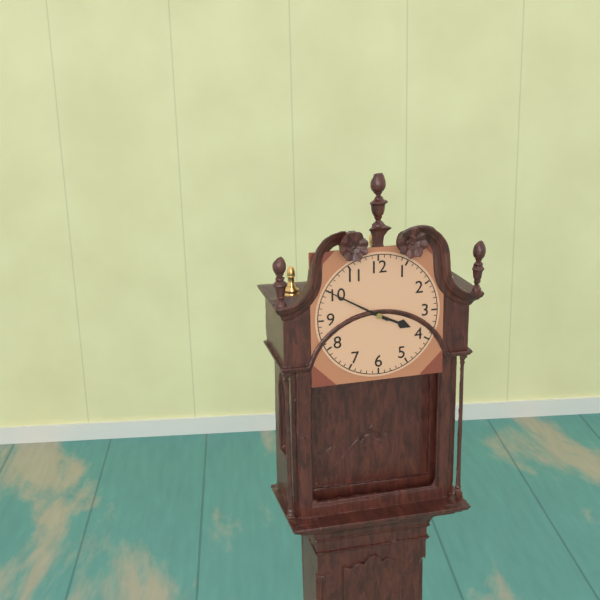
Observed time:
h=3 m=50
